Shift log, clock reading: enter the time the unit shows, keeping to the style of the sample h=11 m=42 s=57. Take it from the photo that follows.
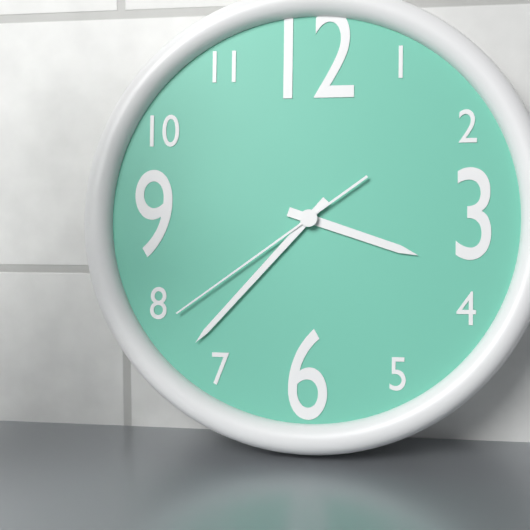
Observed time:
h=3 m=37 s=39
